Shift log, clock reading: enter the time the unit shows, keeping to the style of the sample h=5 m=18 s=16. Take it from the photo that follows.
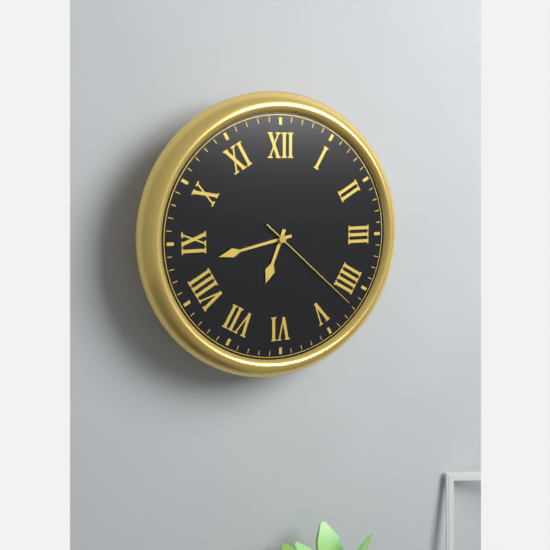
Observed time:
h=6 m=43 s=22
